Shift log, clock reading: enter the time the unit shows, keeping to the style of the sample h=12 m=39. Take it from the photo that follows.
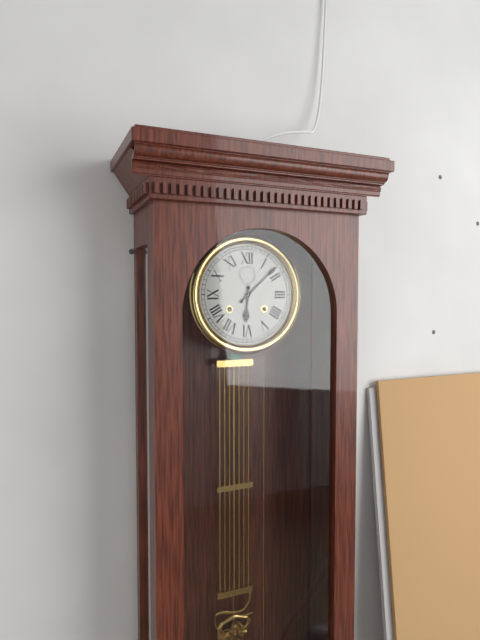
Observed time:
h=6 m=8
